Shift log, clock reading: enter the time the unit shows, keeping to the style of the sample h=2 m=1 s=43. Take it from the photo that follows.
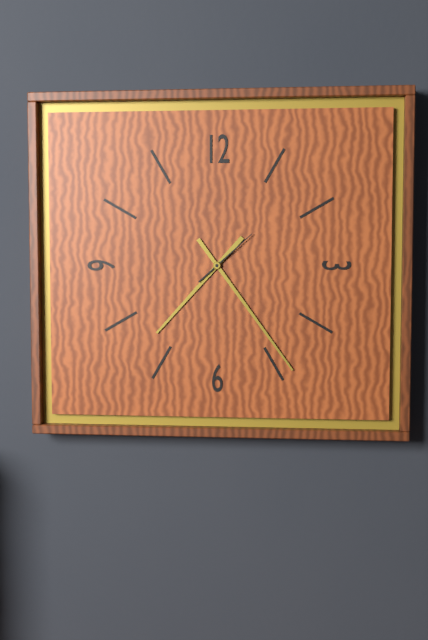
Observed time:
h=7 m=24 s=8
